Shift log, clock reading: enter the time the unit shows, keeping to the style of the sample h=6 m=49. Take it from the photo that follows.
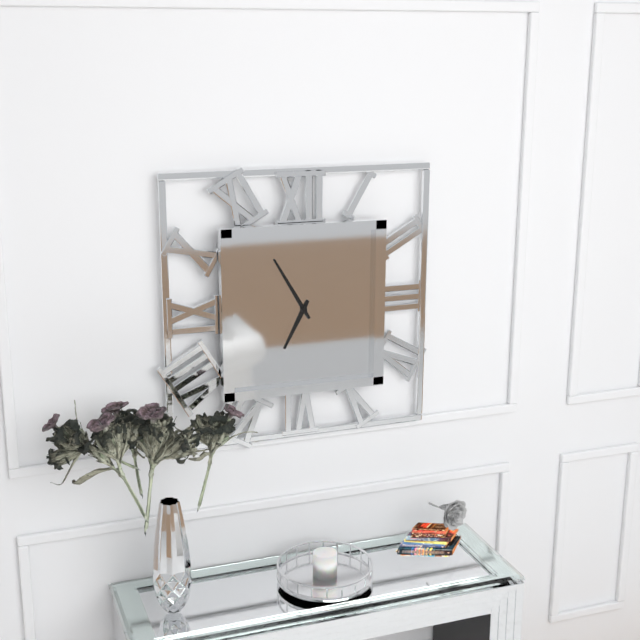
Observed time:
h=6 m=55
